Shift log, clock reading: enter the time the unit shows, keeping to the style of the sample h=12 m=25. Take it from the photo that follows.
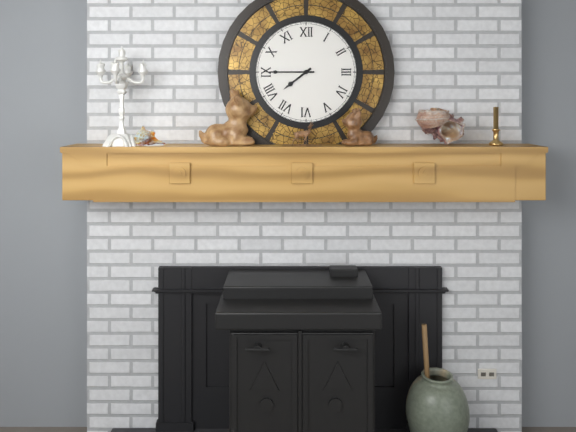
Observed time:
h=7 m=45
